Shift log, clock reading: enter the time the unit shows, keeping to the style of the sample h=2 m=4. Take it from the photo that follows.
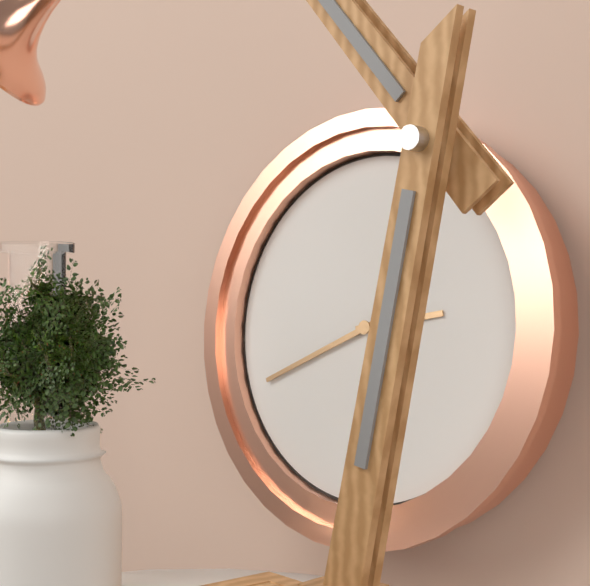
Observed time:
h=2 m=41
